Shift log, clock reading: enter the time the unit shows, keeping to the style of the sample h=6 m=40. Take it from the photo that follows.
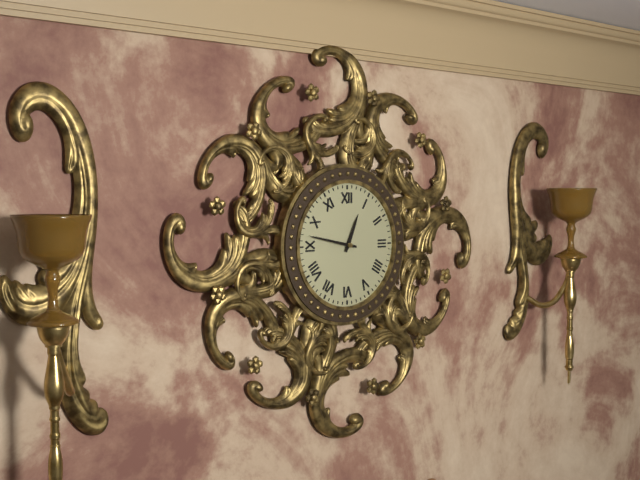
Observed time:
h=12 m=47
